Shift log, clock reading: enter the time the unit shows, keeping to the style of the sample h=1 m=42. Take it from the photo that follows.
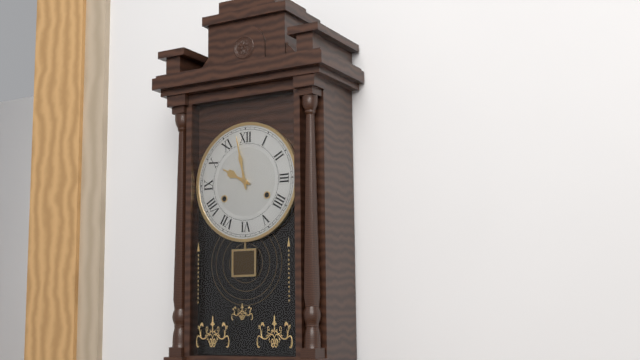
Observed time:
h=9 m=58
